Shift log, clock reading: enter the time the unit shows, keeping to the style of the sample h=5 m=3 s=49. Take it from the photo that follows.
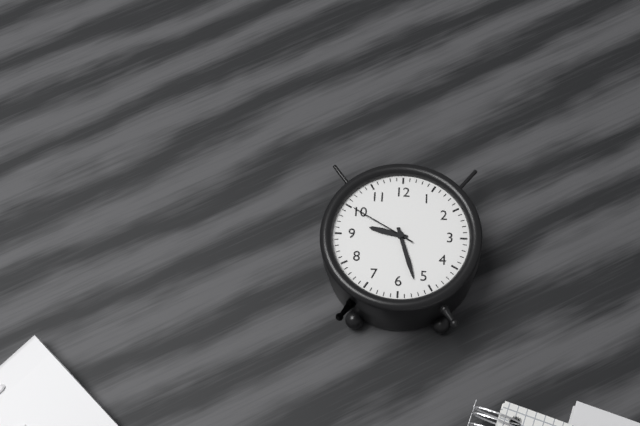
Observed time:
h=9 m=27 s=50
